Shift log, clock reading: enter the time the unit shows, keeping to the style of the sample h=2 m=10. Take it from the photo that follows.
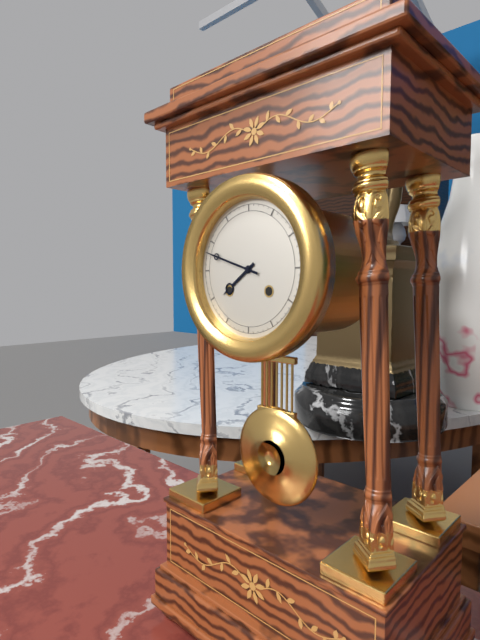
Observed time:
h=7 m=48
